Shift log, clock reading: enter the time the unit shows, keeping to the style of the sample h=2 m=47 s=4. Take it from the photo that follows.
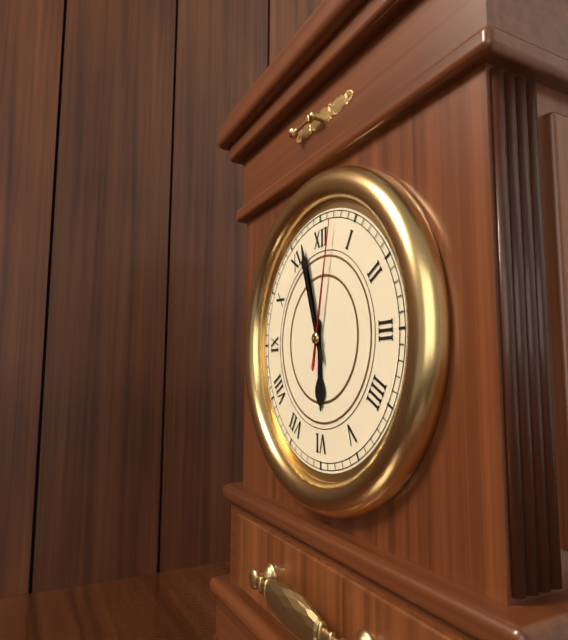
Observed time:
h=5 m=57 s=2
